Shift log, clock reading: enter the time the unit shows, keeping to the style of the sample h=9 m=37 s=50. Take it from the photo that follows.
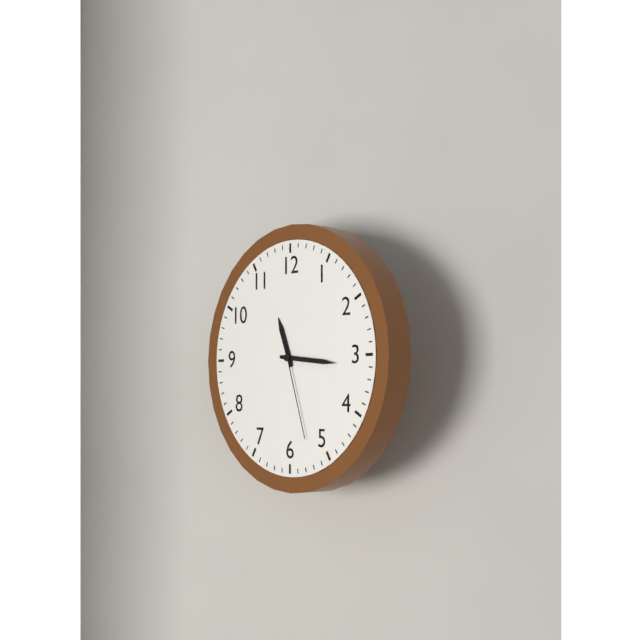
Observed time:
h=11 m=16 s=27
